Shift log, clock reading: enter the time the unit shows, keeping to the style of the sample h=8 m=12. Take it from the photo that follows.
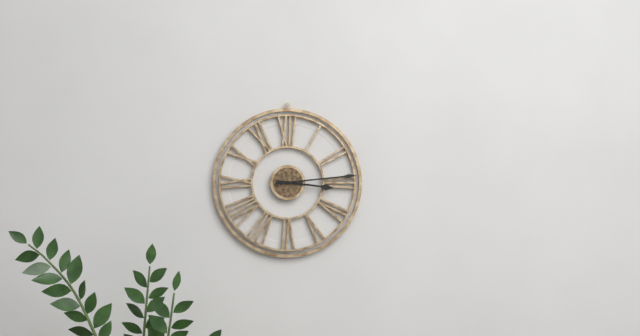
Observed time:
h=3 m=14
